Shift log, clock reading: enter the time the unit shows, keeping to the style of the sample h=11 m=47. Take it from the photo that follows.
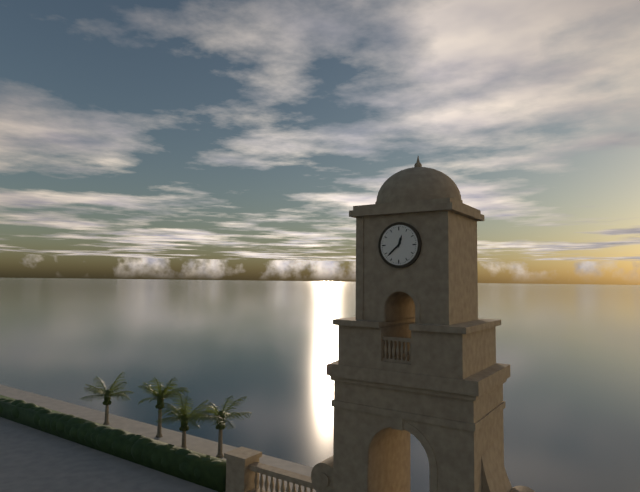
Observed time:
h=12 m=38
